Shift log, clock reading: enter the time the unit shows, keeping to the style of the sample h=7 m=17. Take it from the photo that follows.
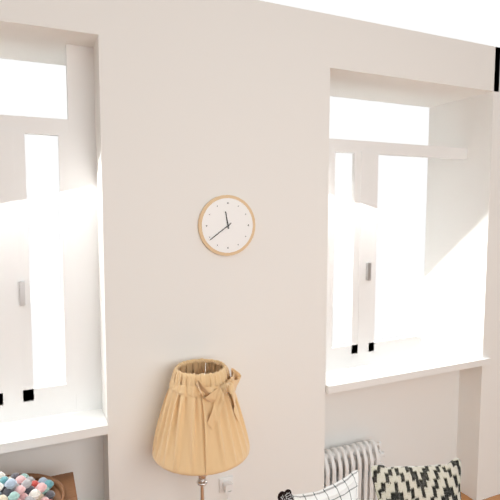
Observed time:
h=11 m=39
